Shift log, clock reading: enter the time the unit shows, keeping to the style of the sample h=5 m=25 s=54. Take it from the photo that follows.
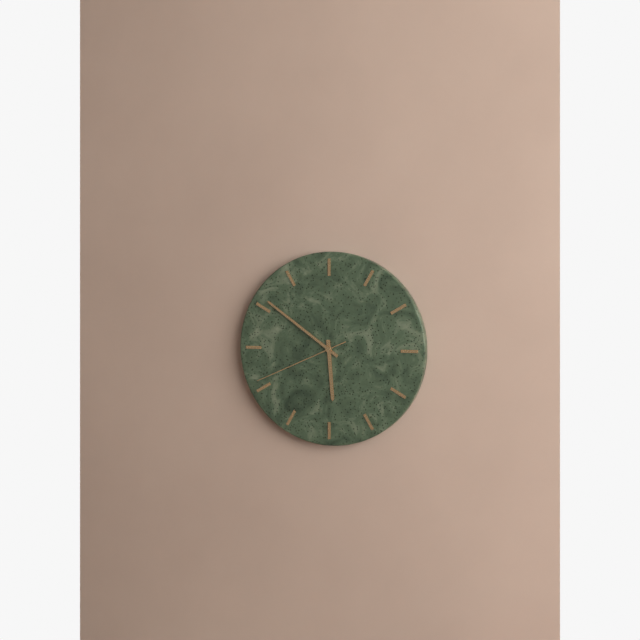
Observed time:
h=5 m=51 s=41
